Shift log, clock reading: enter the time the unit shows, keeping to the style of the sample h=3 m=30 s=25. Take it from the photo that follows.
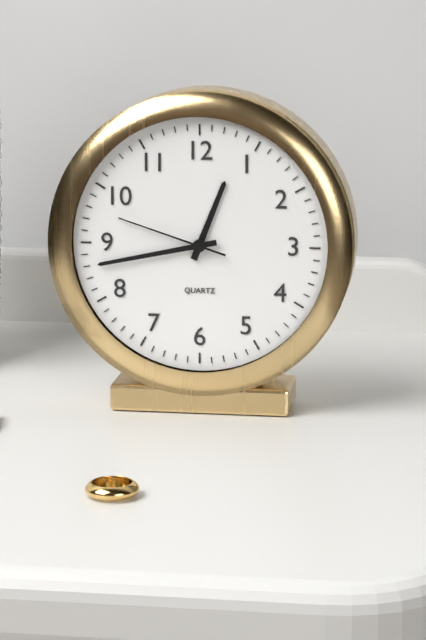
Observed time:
h=12 m=43 s=48
